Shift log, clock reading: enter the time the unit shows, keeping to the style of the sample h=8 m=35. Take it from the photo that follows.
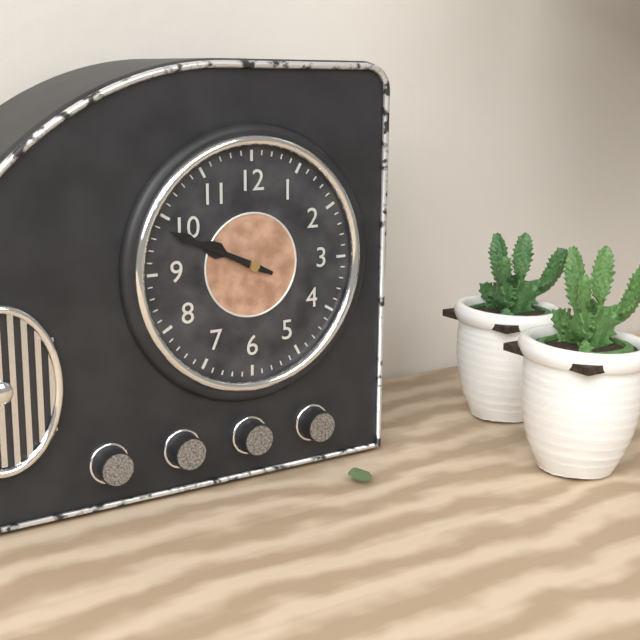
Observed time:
h=9 m=49
